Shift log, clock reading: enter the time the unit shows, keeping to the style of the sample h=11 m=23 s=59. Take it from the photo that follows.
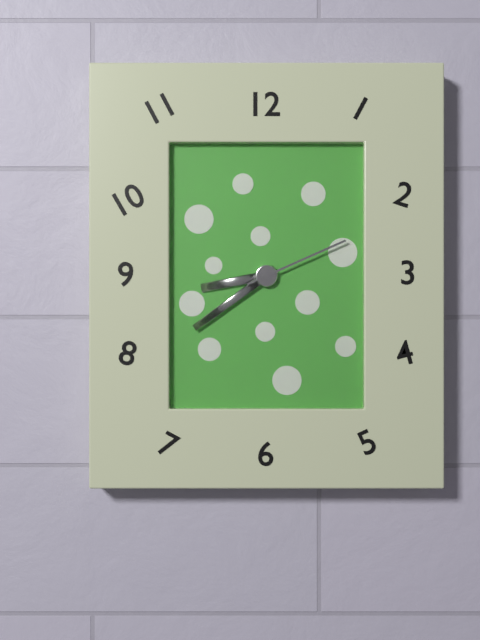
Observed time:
h=8 m=39 s=11
